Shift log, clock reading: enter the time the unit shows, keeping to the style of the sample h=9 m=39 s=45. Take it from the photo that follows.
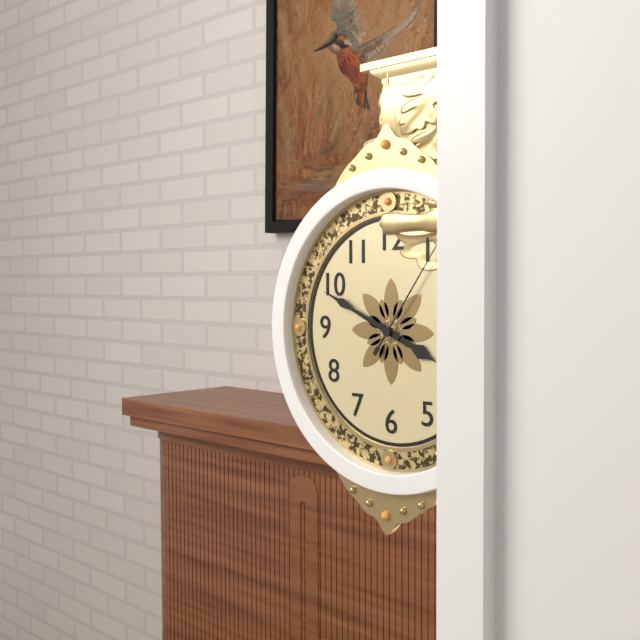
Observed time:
h=3 m=49 s=6
